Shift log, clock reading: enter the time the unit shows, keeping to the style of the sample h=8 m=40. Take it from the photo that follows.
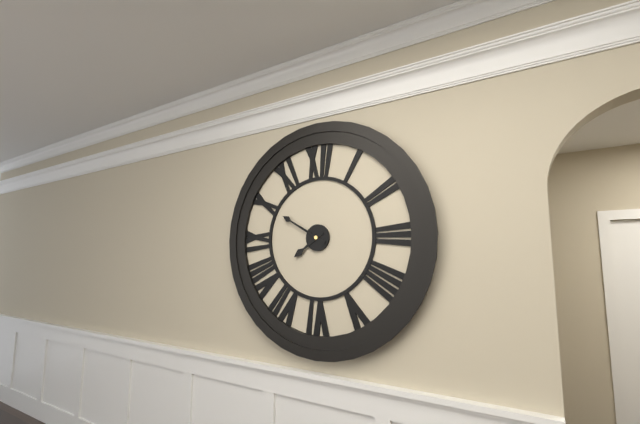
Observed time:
h=7 m=50
